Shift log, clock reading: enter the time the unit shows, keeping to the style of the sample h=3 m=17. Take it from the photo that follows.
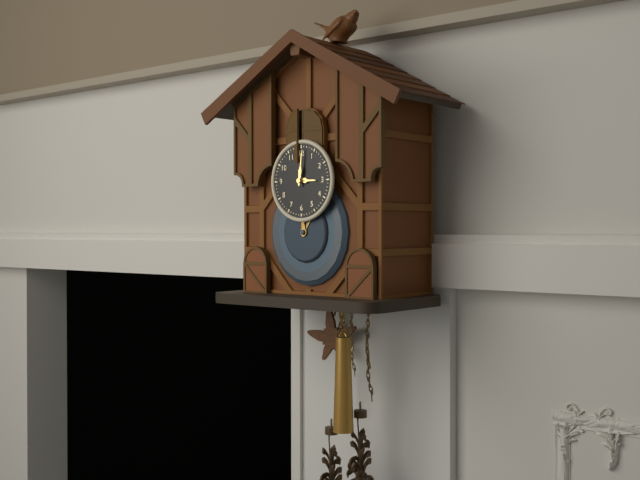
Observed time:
h=3 m=1
